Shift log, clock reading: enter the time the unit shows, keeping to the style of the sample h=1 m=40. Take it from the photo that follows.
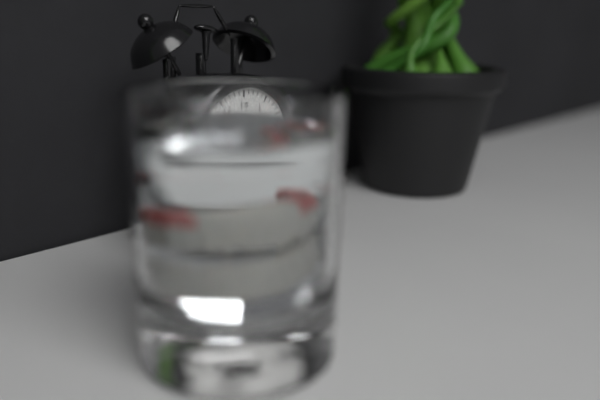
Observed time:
h=11 m=14
